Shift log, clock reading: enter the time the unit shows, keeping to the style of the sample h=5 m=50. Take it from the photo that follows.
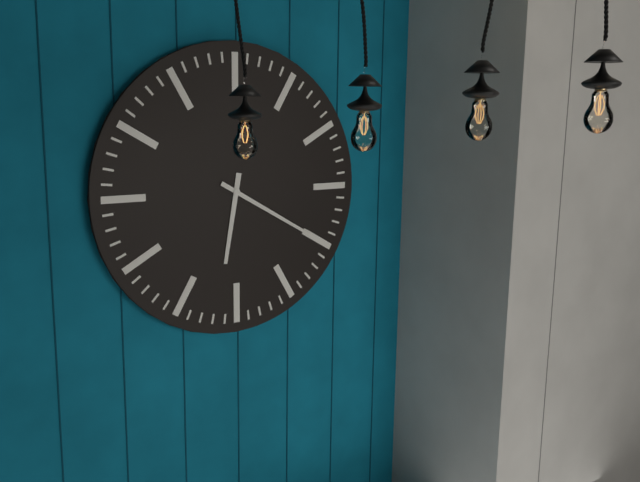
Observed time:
h=6 m=20
